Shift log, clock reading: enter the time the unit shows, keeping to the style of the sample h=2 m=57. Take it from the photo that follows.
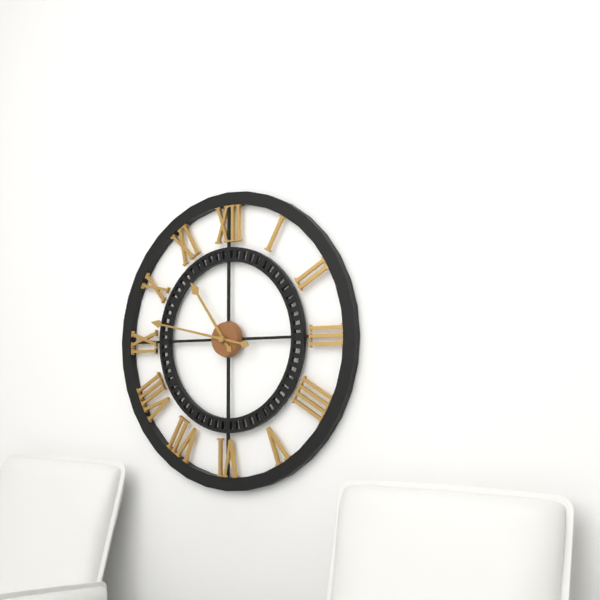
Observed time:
h=10 m=47
